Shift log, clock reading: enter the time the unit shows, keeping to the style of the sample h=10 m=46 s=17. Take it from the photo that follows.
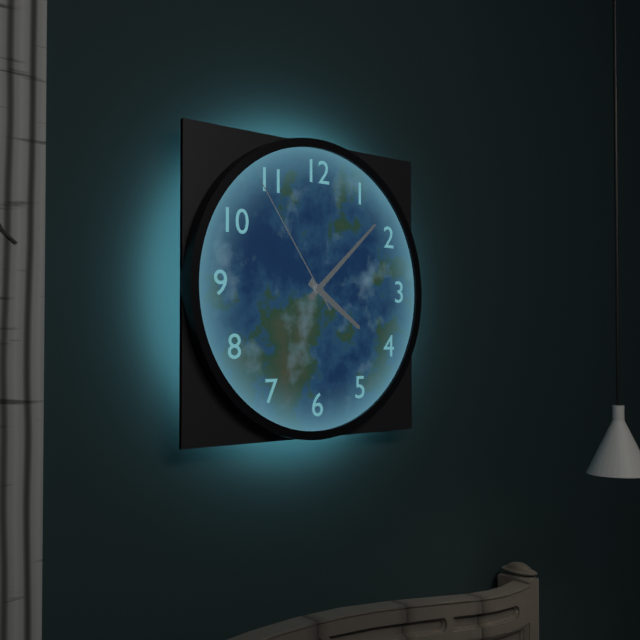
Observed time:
h=4 m=8 s=54
